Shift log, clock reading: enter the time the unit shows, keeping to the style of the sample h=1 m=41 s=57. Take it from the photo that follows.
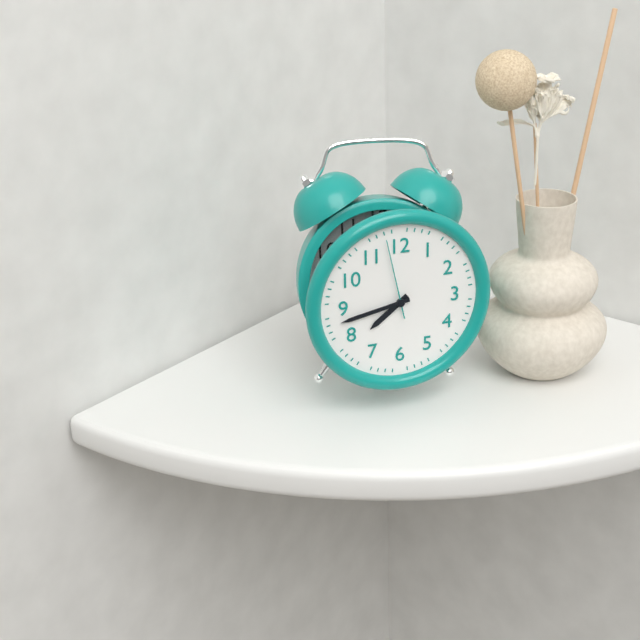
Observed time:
h=7 m=43 s=58
